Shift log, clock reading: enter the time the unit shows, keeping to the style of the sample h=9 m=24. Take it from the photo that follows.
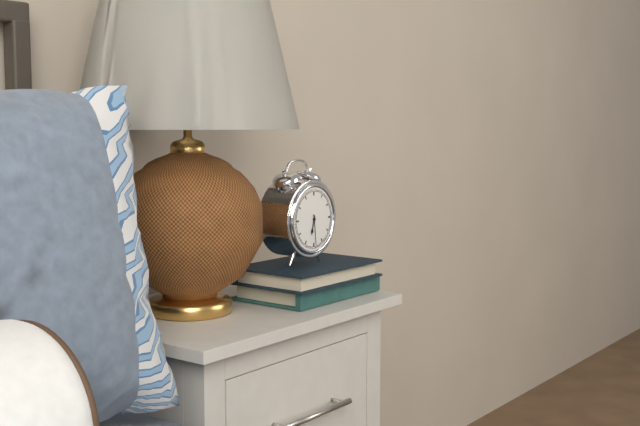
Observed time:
h=6 m=29
